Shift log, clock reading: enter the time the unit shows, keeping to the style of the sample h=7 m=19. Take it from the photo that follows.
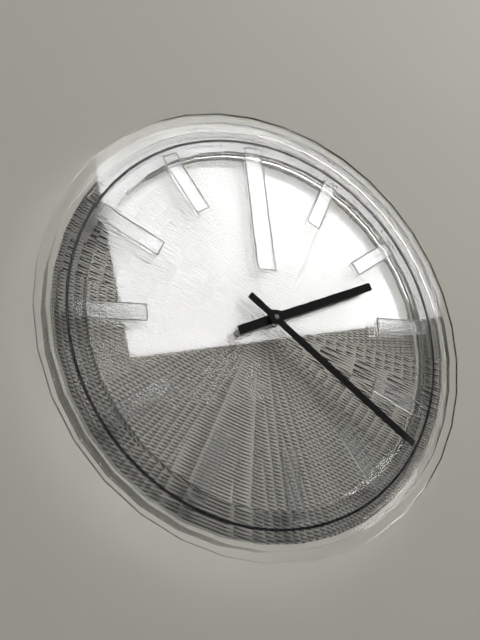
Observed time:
h=2 m=22
